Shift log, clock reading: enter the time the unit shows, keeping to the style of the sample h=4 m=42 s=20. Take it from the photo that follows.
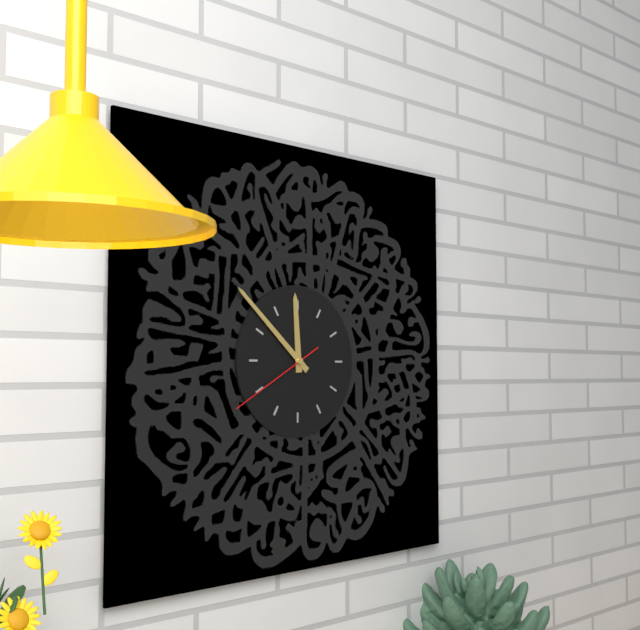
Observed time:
h=11 m=52 s=40
